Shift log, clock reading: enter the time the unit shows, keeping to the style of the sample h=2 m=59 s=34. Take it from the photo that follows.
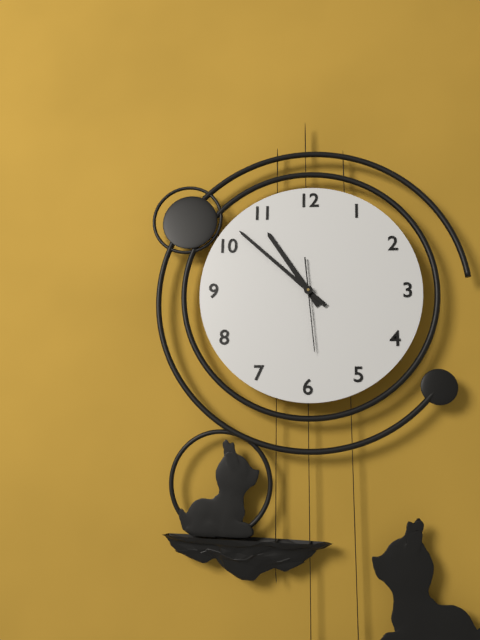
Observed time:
h=10 m=52 s=29
